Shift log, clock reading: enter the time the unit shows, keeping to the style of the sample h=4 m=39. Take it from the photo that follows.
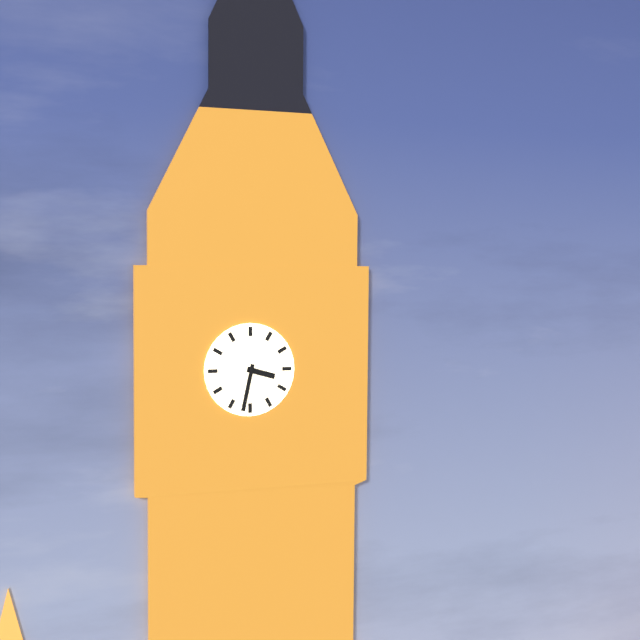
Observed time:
h=3 m=32
